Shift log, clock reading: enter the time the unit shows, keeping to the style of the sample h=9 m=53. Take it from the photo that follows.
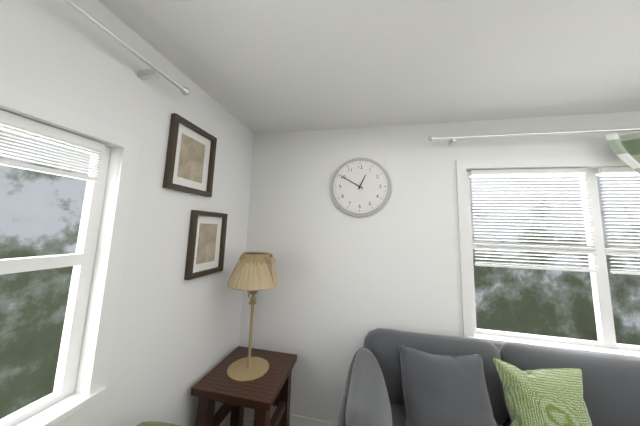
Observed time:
h=12 m=50
